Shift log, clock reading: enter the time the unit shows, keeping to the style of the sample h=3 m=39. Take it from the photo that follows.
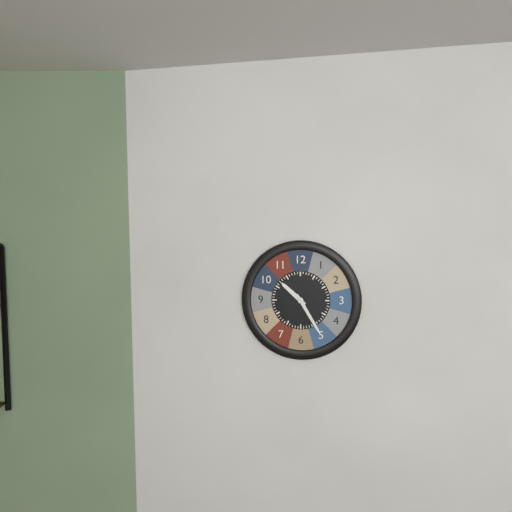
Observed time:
h=10 m=25
